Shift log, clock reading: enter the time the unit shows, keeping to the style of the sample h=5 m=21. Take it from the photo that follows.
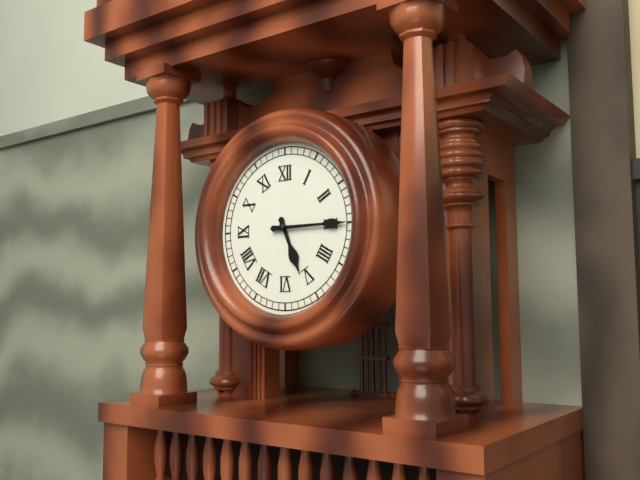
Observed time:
h=5 m=15
